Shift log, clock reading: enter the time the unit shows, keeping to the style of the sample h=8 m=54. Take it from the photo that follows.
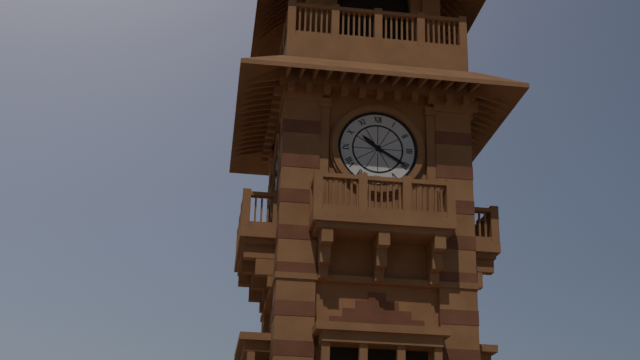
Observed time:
h=10 m=20
